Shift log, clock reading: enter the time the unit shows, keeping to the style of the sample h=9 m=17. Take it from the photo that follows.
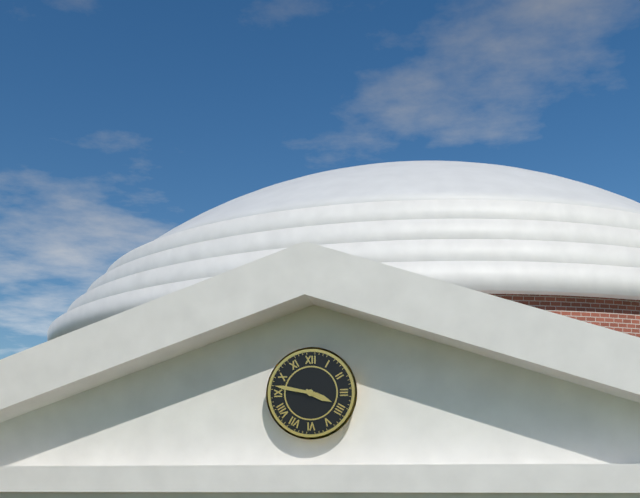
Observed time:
h=3 m=47
